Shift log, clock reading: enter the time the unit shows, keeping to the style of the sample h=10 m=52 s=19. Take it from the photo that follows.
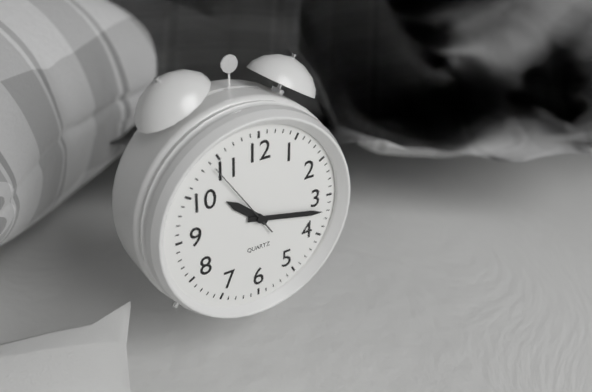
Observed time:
h=10 m=17 s=54
